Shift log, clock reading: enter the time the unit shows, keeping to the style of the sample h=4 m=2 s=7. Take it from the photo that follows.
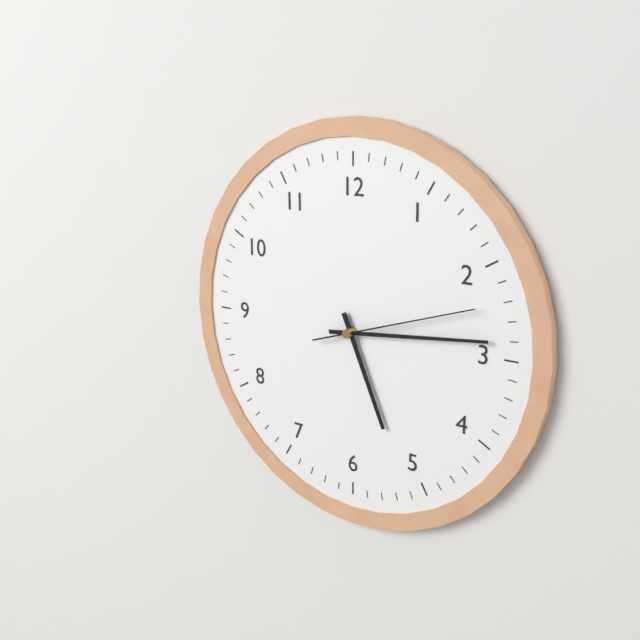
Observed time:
h=5 m=14 s=12
